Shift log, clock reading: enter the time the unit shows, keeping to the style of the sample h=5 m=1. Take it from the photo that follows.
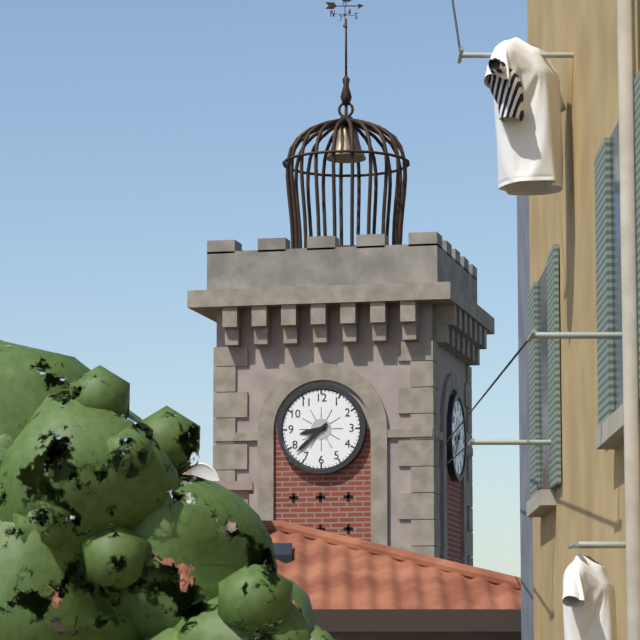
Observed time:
h=8 m=38
